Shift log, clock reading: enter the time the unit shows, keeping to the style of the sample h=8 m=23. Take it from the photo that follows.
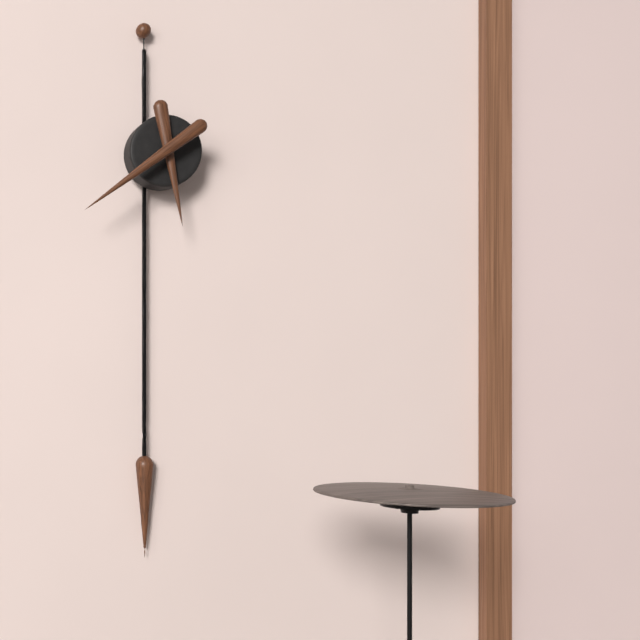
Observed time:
h=5 m=39
